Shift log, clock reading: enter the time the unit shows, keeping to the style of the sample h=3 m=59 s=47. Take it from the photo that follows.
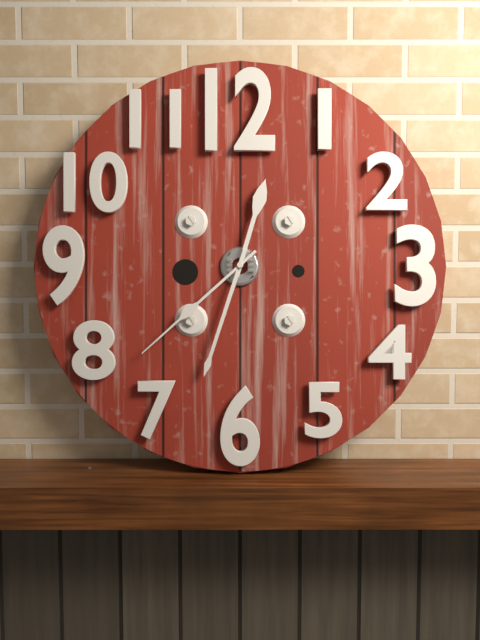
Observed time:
h=12 m=33 s=38
